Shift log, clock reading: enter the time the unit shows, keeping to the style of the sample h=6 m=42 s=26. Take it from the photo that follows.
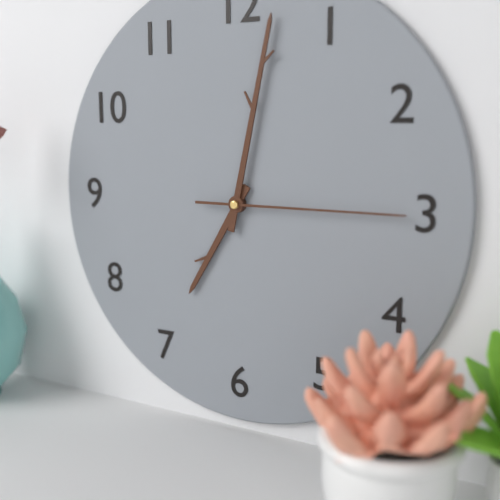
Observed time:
h=7 m=2 s=15
